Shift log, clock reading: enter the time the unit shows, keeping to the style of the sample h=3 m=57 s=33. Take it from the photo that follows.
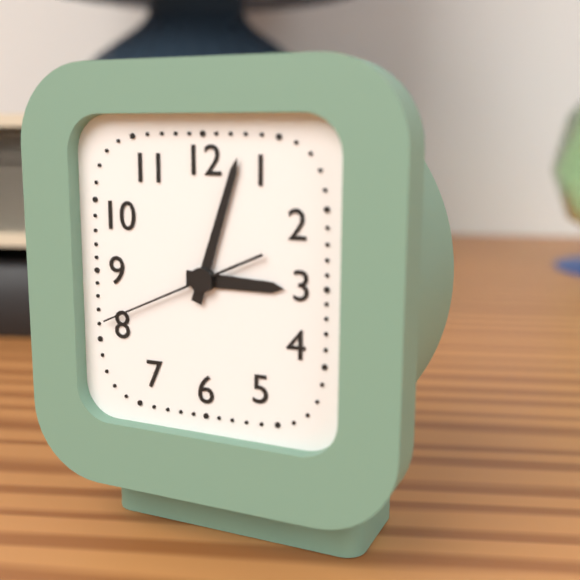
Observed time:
h=3 m=3 s=41
